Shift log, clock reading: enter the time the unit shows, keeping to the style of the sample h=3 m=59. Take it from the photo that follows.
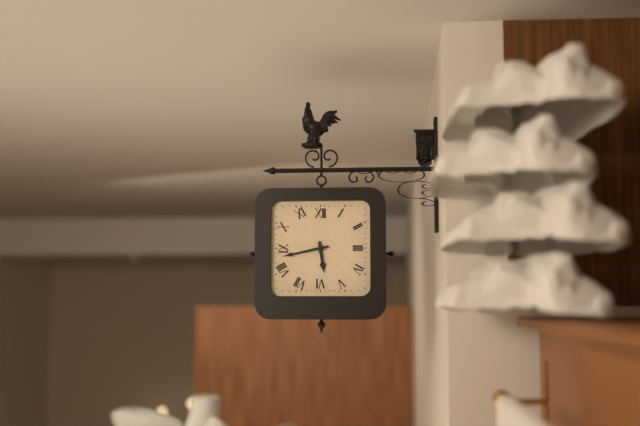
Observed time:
h=5 m=43
